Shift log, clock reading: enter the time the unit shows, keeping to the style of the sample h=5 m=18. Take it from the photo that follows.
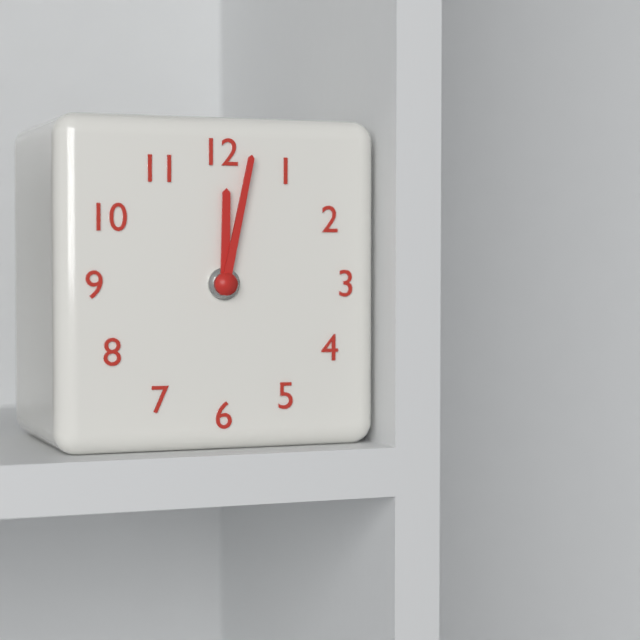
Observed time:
h=12 m=2
